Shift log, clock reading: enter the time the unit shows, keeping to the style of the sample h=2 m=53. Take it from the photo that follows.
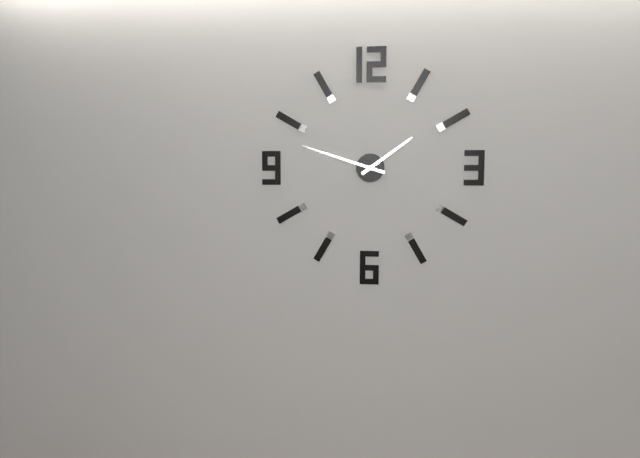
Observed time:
h=1 m=48
